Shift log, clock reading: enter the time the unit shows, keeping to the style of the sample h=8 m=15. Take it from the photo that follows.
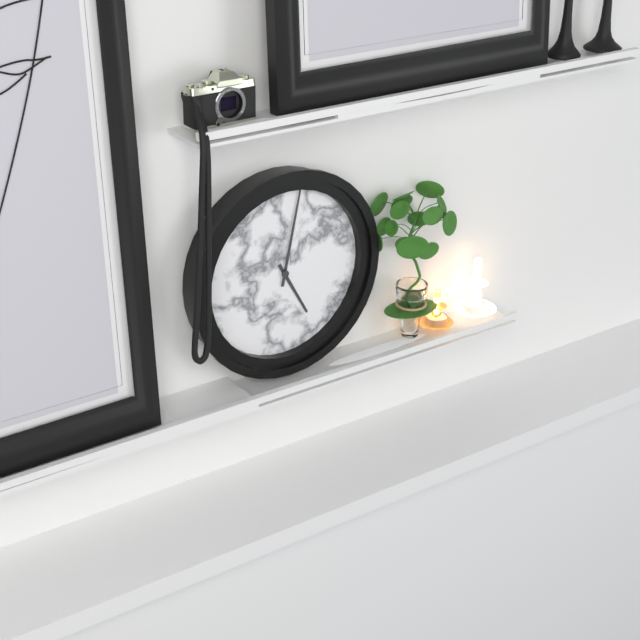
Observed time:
h=5 m=2
